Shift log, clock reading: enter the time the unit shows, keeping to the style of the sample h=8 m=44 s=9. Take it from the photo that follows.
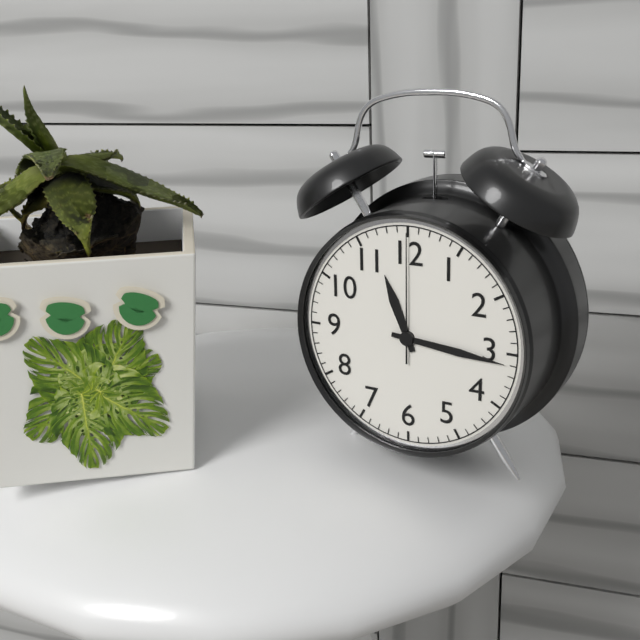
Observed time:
h=11 m=16 s=0
